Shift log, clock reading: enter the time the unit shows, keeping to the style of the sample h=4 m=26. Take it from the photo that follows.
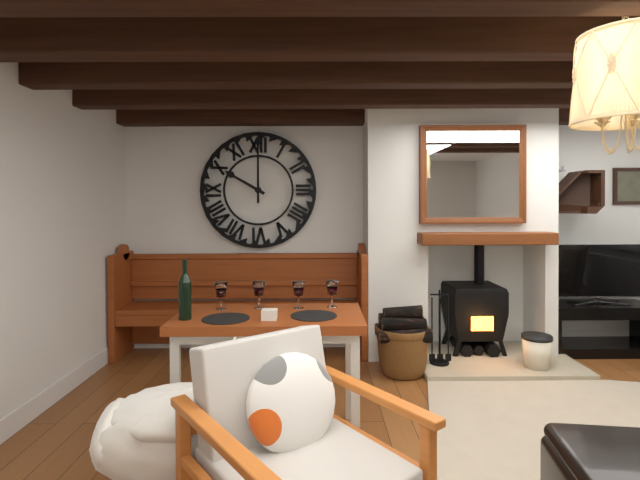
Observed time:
h=10 m=0
